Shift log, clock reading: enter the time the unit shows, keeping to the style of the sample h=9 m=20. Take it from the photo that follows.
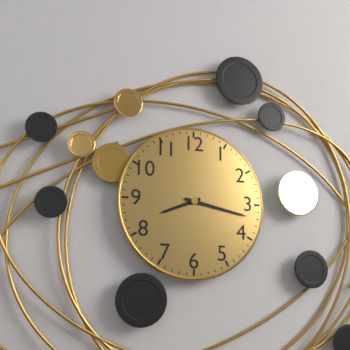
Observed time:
h=8 m=17
